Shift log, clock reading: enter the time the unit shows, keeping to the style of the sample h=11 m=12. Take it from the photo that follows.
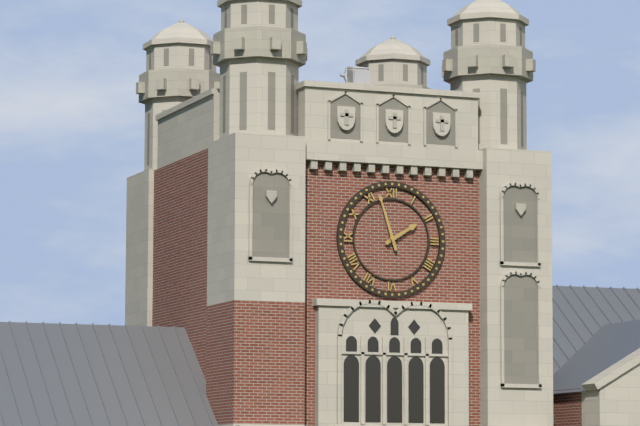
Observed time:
h=1 m=57
